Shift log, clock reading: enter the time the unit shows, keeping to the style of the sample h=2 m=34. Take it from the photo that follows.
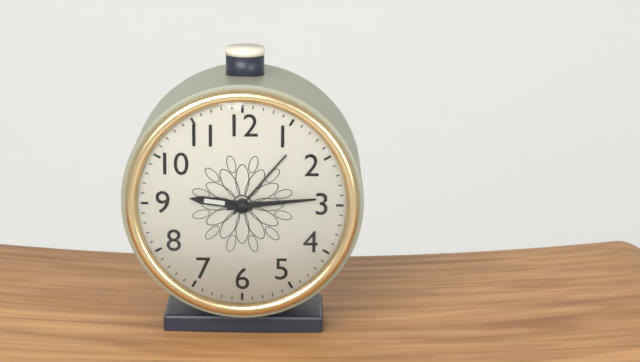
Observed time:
h=9 m=14
